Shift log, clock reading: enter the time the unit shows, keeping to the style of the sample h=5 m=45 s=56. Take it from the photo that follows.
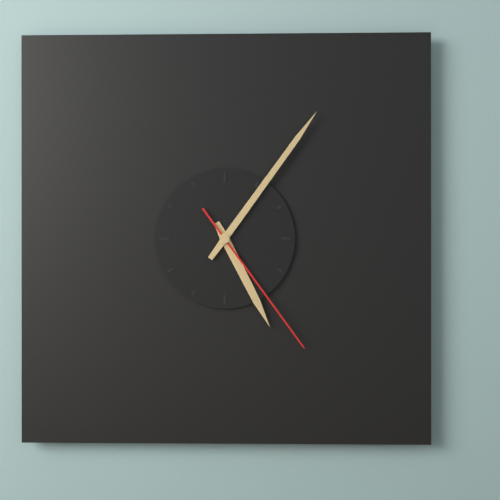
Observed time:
h=5 m=6 s=24
